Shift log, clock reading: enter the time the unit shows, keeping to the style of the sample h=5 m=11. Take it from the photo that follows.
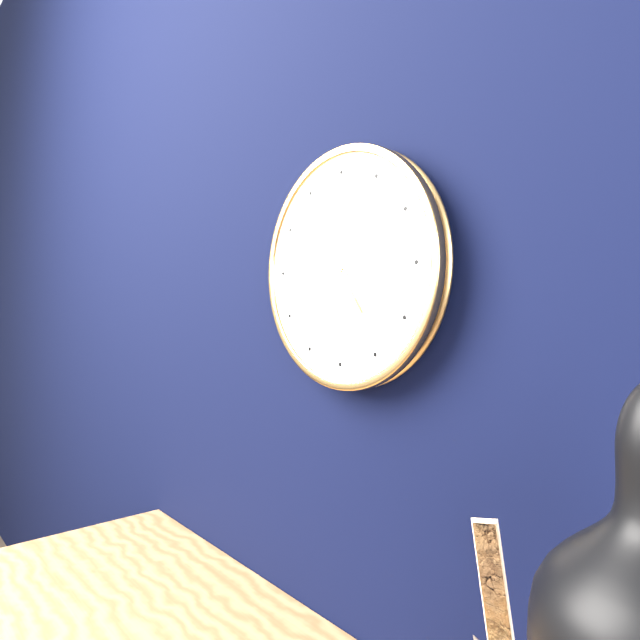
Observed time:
h=4 m=50
